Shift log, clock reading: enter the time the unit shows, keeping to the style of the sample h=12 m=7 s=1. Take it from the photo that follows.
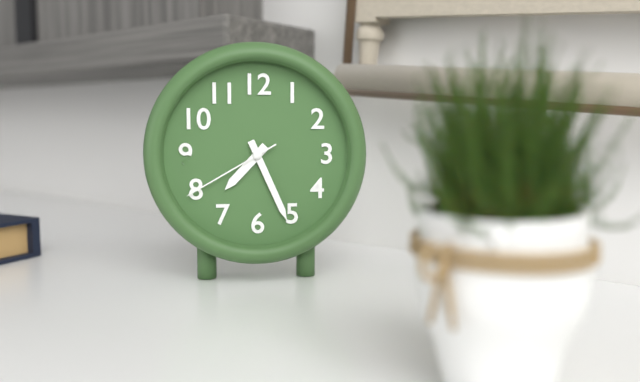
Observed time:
h=7 m=26 s=40
